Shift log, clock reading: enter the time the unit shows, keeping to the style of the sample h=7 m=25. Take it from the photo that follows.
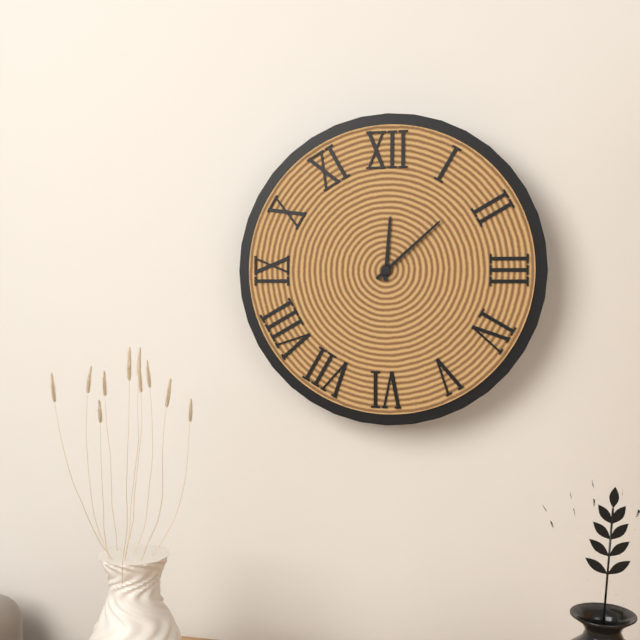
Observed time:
h=12 m=8
